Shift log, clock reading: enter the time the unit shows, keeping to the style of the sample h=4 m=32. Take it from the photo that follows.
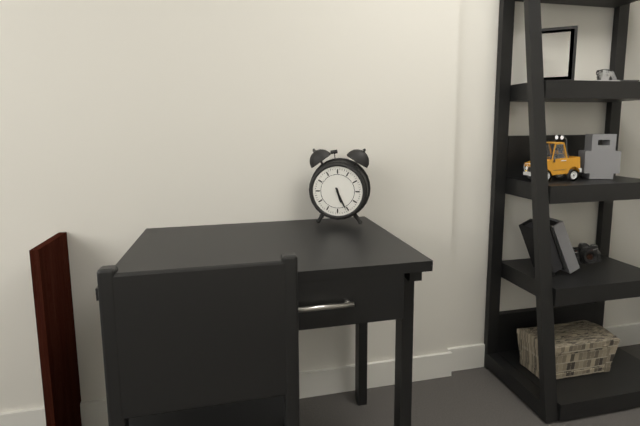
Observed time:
h=5 m=26
